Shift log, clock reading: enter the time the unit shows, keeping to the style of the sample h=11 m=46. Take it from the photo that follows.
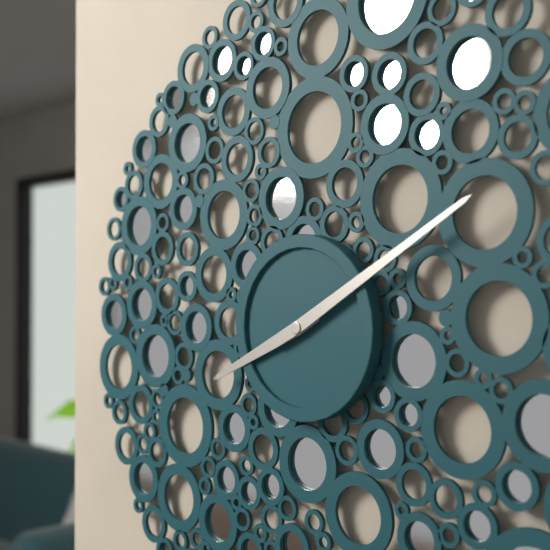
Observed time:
h=8 m=10
